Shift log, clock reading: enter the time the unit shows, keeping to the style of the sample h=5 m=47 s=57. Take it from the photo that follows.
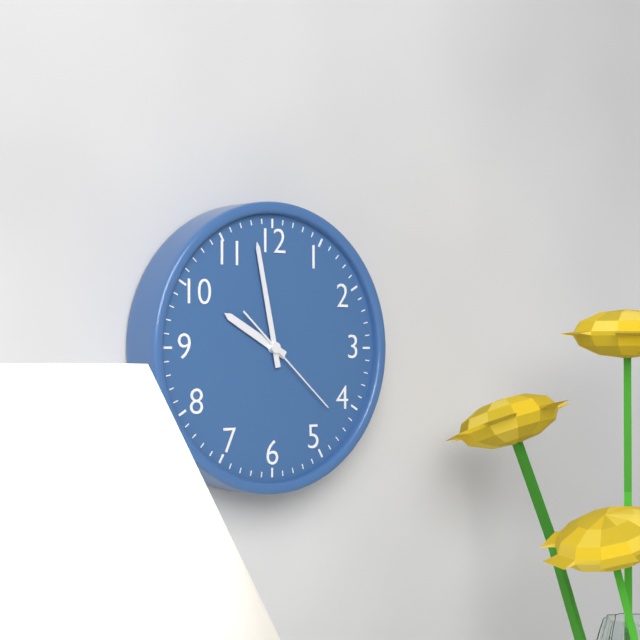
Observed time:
h=9 m=58 s=22
